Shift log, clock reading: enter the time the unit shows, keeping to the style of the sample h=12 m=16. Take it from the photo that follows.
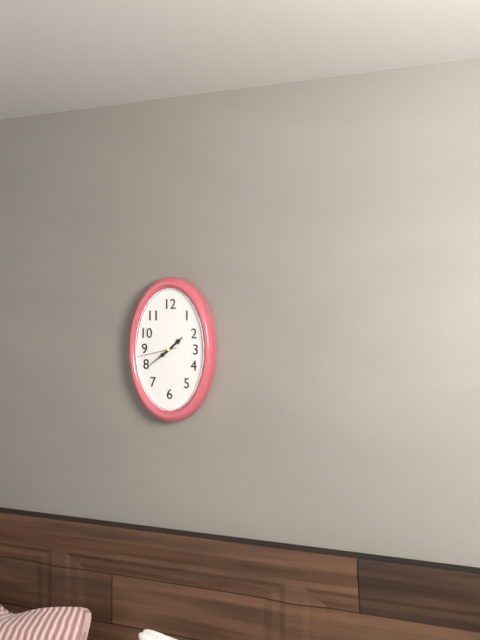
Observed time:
h=1 m=39
